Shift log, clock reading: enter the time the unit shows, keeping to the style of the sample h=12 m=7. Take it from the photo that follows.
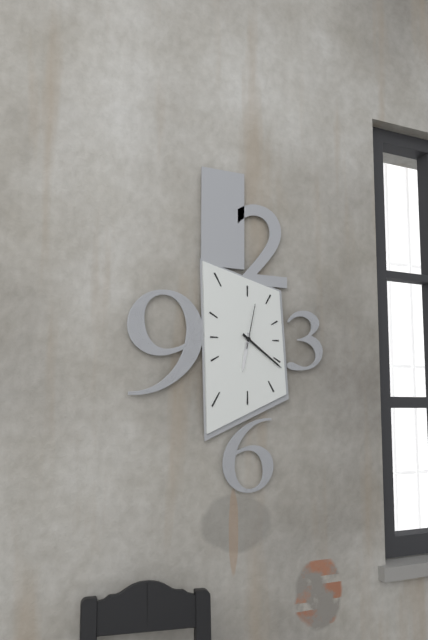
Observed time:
h=6 m=21
